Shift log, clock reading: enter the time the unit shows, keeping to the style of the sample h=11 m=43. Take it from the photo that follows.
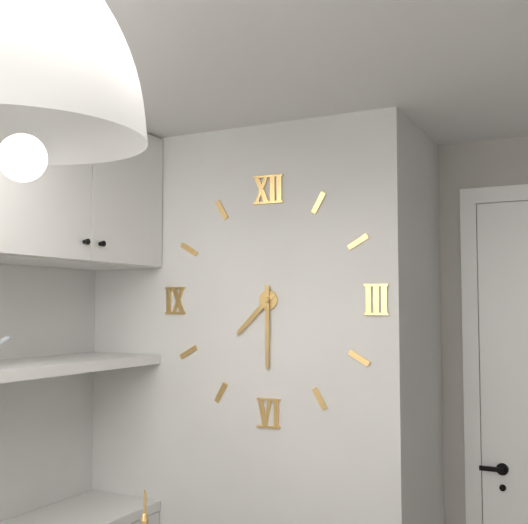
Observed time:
h=7 m=30
